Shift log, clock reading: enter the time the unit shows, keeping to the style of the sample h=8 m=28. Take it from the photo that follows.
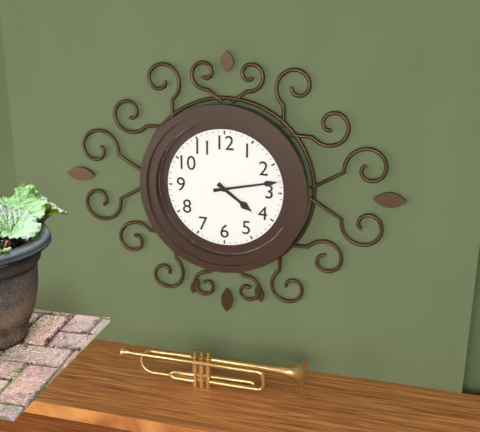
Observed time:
h=4 m=13
